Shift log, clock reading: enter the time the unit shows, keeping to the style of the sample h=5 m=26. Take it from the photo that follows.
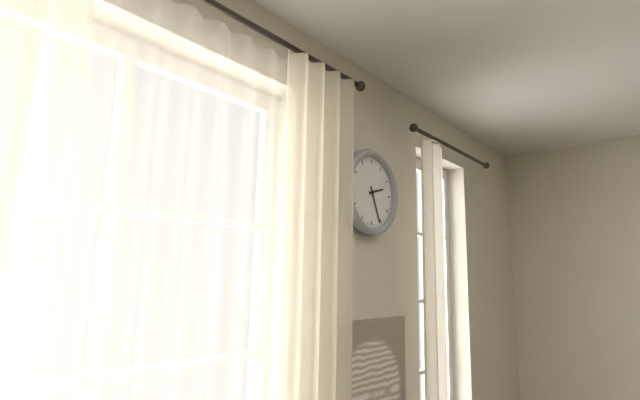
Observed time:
h=2 m=26
